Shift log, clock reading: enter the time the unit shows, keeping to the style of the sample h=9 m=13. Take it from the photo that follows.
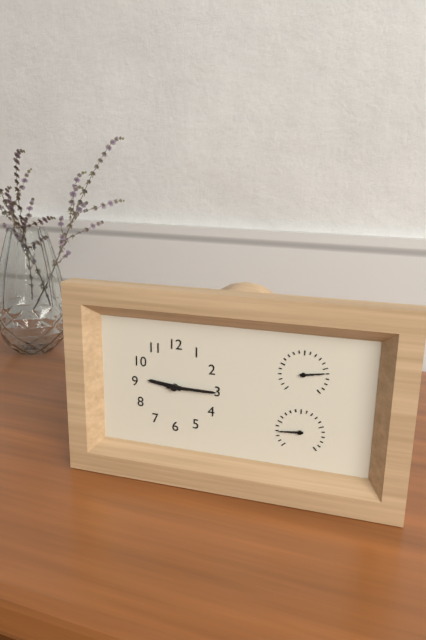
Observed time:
h=9 m=15
